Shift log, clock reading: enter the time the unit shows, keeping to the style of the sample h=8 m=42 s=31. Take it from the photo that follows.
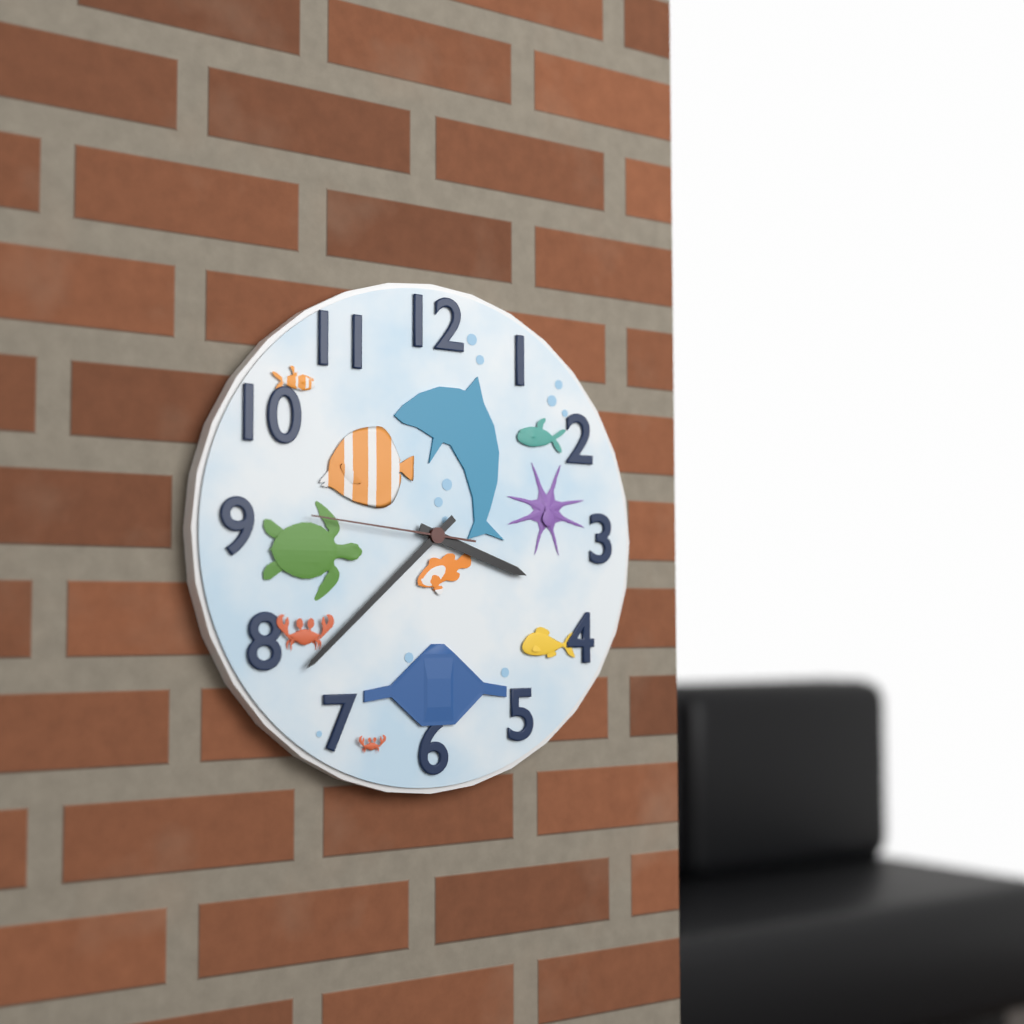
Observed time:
h=3 m=38 s=46
